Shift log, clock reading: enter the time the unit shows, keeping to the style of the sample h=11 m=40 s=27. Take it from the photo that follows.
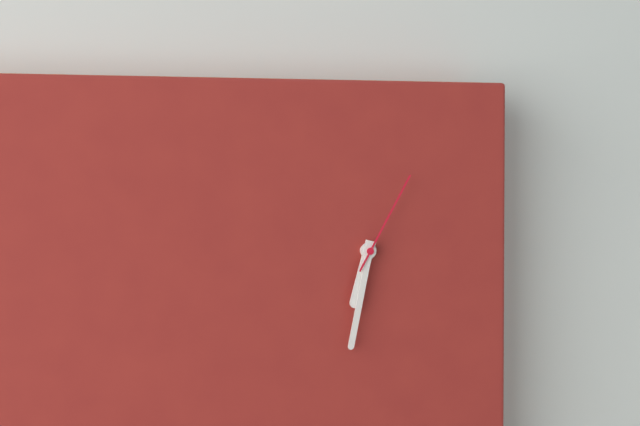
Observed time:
h=6 m=32 s=5
